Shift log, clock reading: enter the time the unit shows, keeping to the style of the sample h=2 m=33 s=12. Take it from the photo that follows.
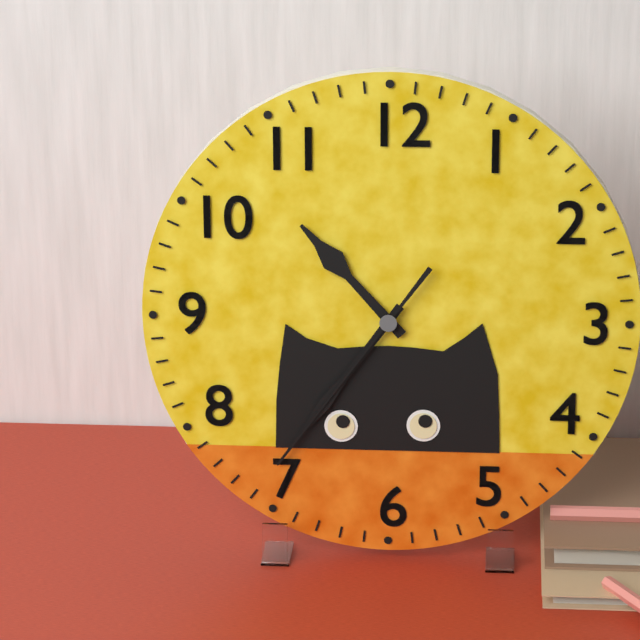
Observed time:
h=10 m=36 s=36
